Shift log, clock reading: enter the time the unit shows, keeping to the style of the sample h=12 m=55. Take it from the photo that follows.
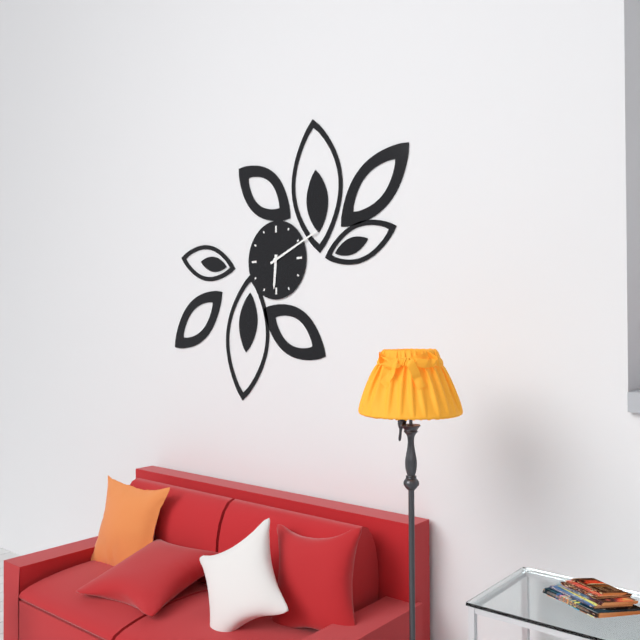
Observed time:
h=6 m=11
